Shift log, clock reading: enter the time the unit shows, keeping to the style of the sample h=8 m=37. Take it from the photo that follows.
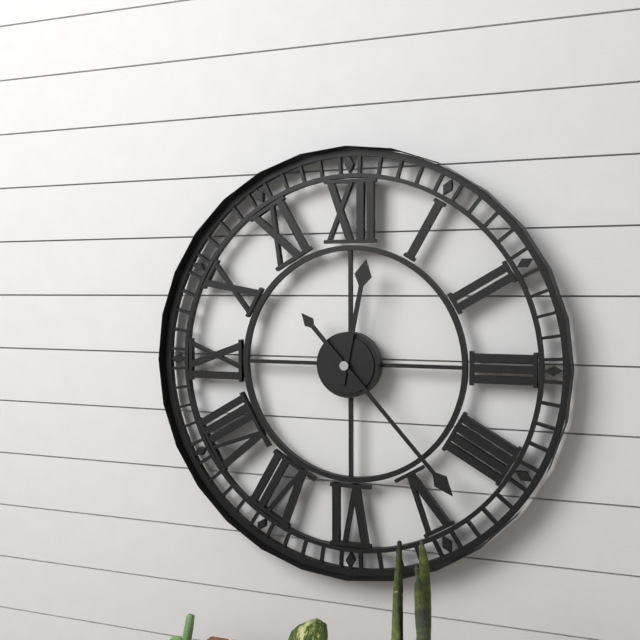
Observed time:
h=12 m=23
